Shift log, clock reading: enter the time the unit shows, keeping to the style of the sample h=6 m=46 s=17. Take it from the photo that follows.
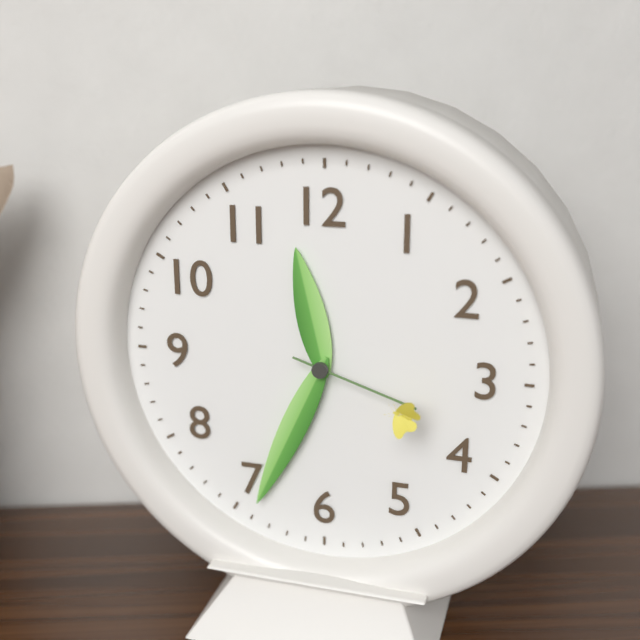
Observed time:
h=11 m=34 s=18
